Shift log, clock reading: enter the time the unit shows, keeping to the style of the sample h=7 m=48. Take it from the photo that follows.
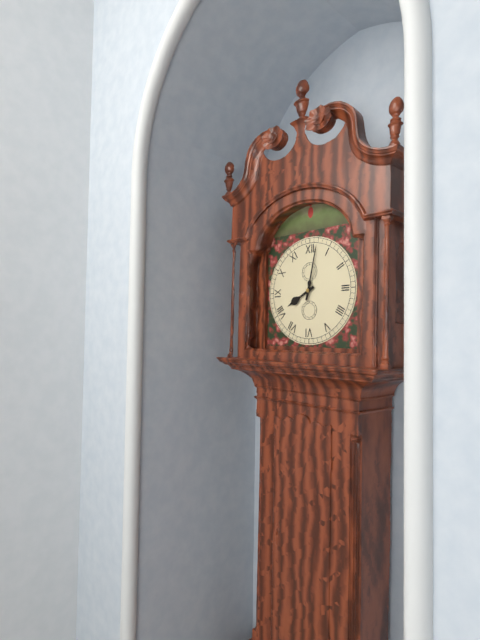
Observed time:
h=8 m=2
